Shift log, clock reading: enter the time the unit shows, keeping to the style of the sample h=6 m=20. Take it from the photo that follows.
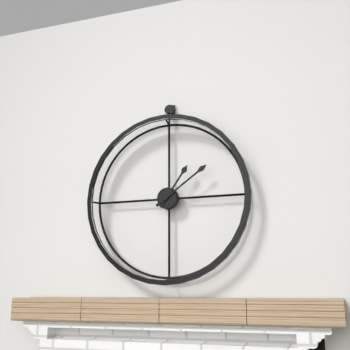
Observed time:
h=1 m=9
